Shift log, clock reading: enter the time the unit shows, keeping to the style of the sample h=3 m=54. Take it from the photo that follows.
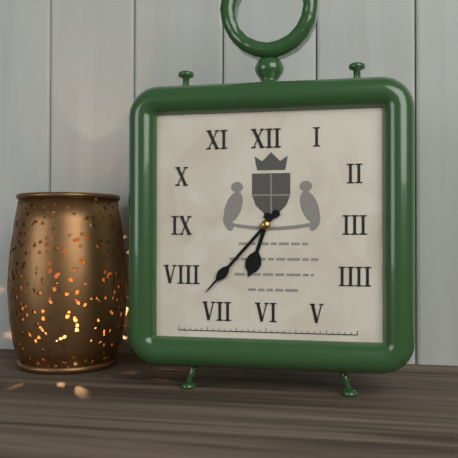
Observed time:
h=6 m=37
